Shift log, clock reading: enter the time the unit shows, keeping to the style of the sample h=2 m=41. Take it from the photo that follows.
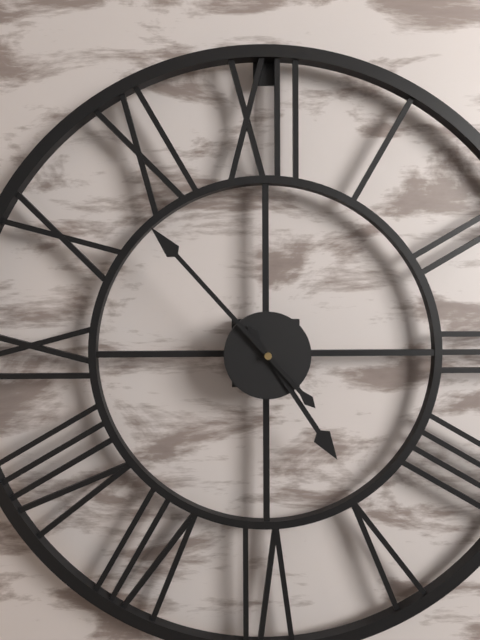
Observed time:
h=4 m=53
